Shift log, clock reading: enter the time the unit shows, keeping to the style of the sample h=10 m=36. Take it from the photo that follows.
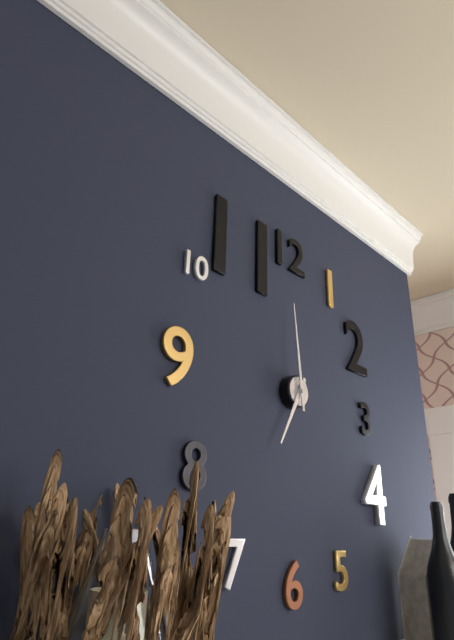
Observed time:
h=6 m=59
